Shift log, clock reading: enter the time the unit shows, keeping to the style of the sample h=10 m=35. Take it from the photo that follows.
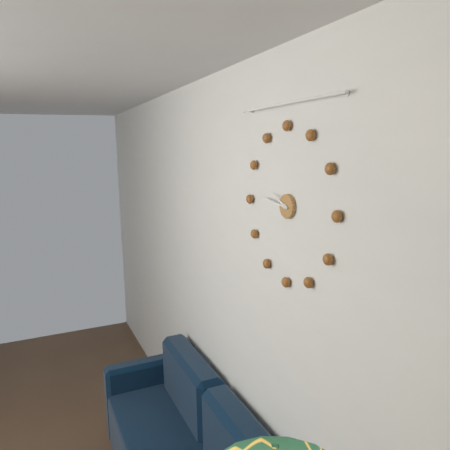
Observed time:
h=9 m=46
